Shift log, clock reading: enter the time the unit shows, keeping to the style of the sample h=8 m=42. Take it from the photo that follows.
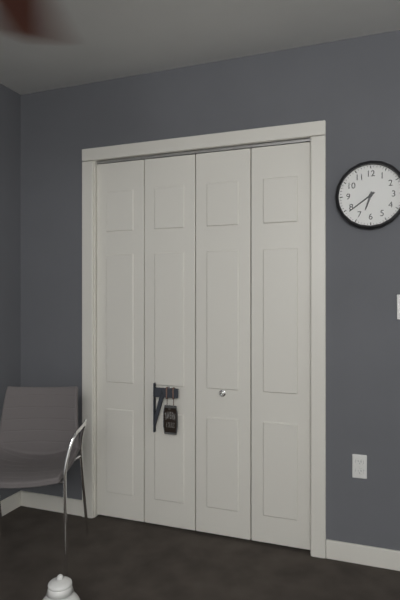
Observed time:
h=6 m=39
